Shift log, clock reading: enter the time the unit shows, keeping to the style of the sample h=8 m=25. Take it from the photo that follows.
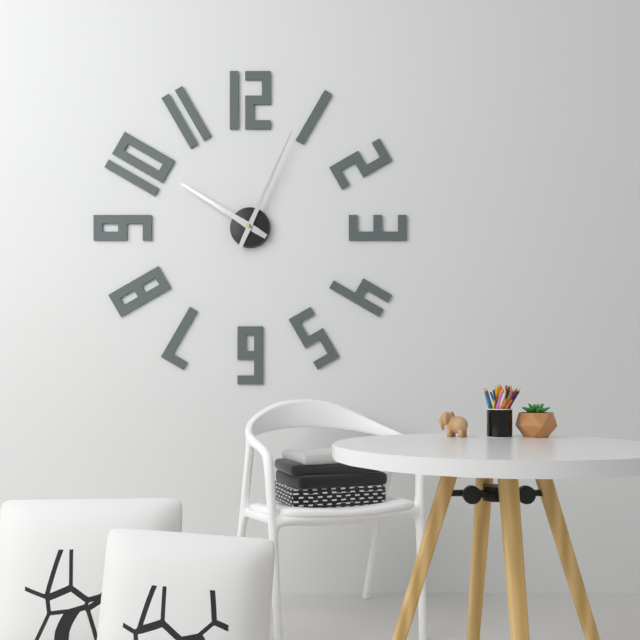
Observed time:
h=10 m=4
